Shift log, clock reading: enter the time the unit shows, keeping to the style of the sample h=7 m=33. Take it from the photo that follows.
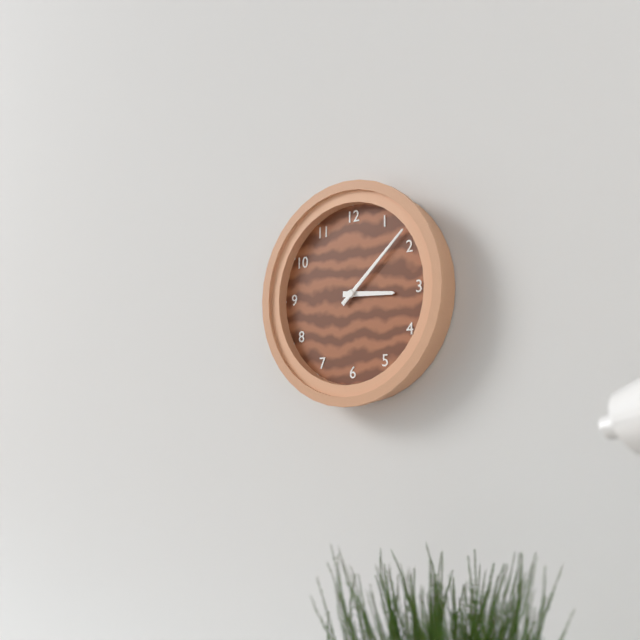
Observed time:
h=3 m=8
